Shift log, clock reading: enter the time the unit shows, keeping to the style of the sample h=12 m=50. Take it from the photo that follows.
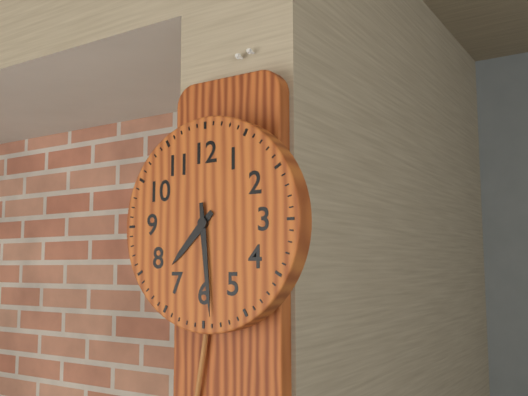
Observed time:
h=7 m=29
